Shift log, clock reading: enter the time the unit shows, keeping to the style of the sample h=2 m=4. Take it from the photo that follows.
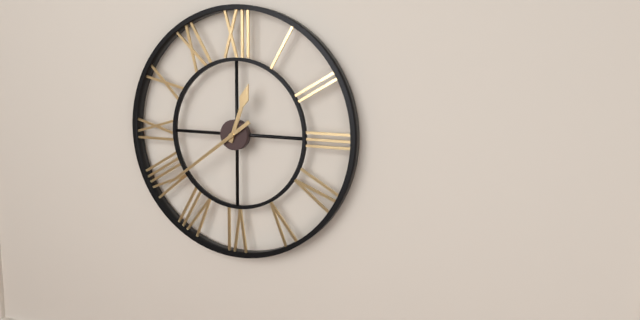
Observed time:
h=12 m=39
